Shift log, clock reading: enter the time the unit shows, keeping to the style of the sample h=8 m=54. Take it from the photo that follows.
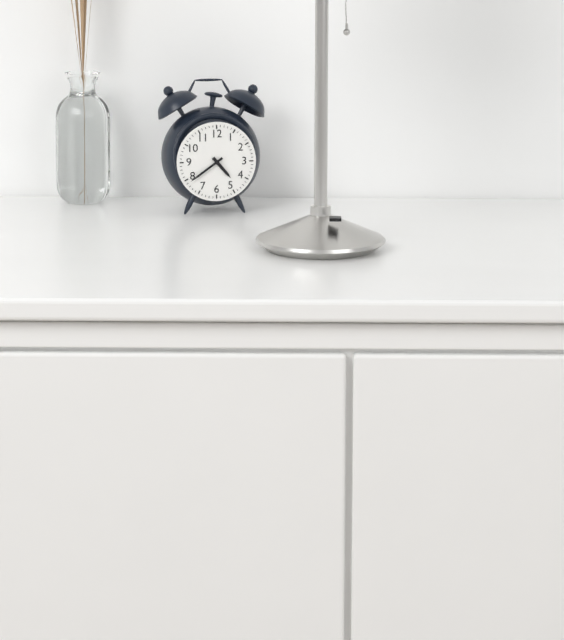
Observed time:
h=4 m=39
